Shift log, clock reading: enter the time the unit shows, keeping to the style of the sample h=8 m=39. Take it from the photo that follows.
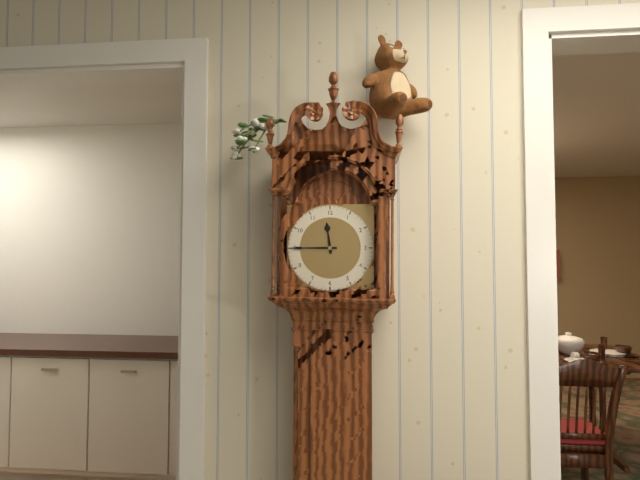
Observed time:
h=11 m=45
